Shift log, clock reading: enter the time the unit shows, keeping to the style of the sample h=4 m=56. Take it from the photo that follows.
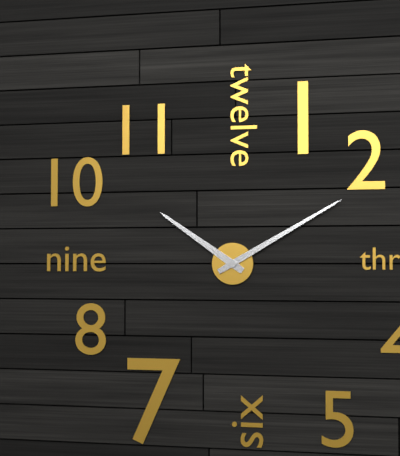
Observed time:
h=10 m=10
